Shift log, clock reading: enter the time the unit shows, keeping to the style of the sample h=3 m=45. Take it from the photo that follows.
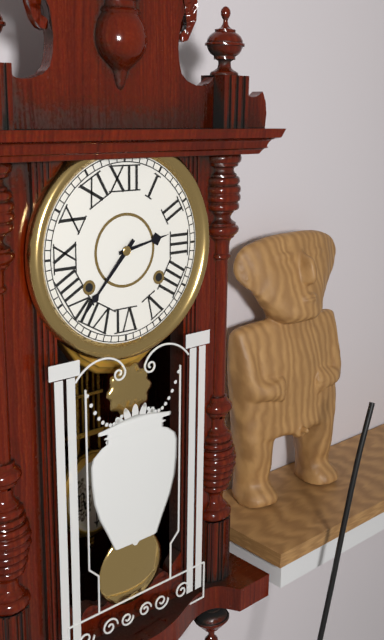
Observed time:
h=2 m=37
